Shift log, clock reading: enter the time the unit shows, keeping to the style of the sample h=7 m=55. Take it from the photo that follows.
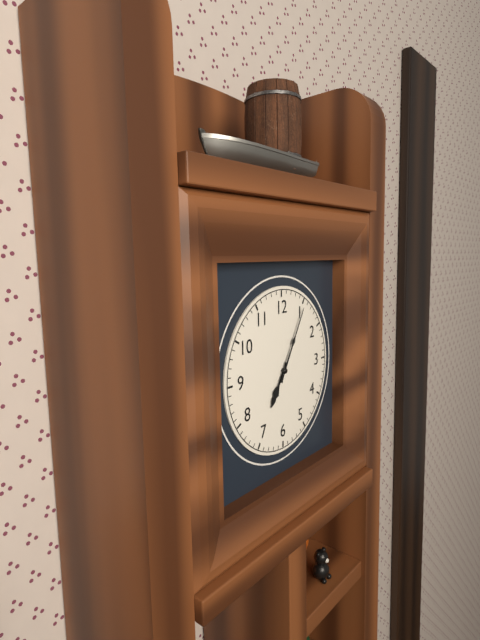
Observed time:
h=7 m=5
